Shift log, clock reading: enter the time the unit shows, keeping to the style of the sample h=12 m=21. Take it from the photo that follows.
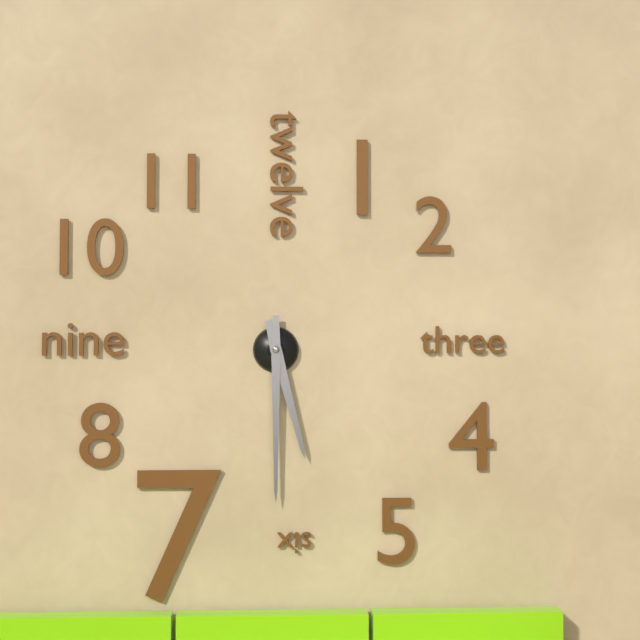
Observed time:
h=5 m=30
